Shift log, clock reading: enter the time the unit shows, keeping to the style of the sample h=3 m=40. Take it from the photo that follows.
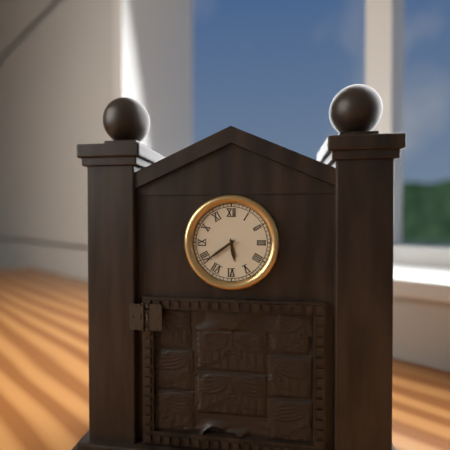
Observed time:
h=5 m=39
